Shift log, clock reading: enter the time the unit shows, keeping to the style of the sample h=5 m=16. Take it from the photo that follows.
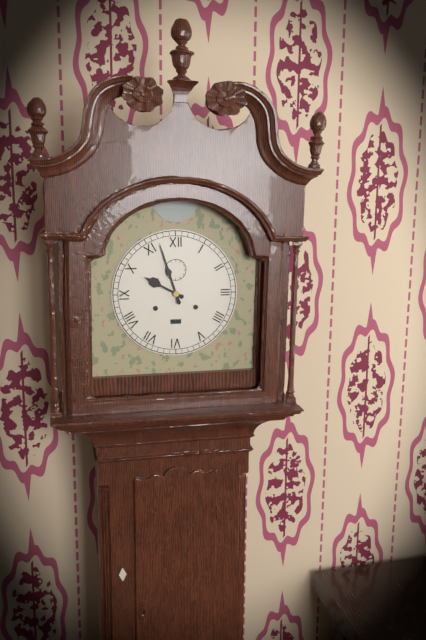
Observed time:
h=9 m=57
